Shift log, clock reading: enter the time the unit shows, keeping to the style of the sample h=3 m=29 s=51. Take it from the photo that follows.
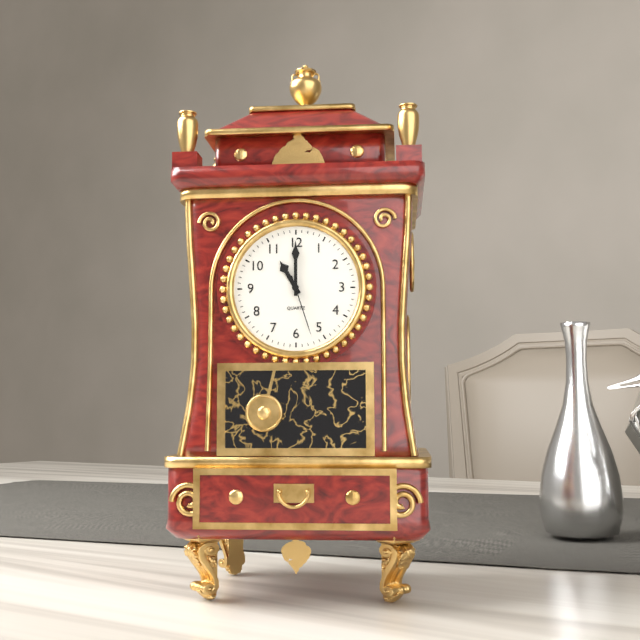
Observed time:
h=11 m=0 s=27
